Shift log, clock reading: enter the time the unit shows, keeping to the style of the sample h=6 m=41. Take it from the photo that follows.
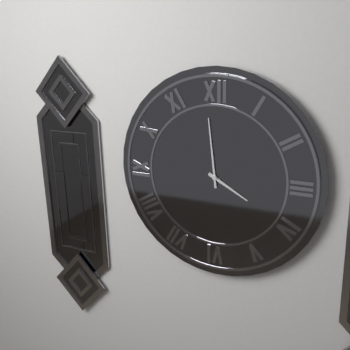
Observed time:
h=3 m=59
